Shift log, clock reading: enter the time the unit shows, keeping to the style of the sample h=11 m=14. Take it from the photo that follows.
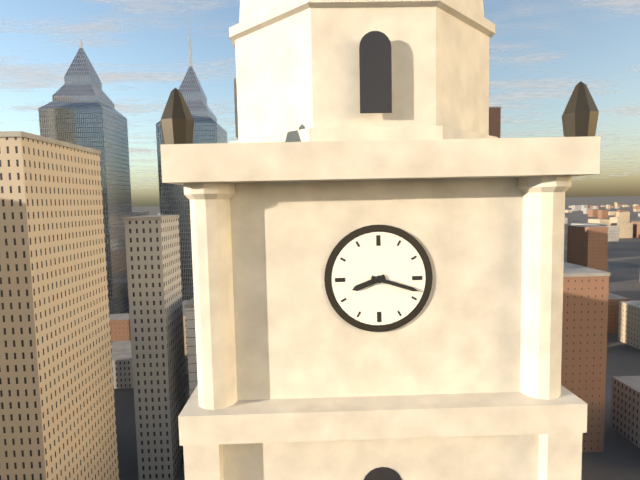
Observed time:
h=8 m=18
